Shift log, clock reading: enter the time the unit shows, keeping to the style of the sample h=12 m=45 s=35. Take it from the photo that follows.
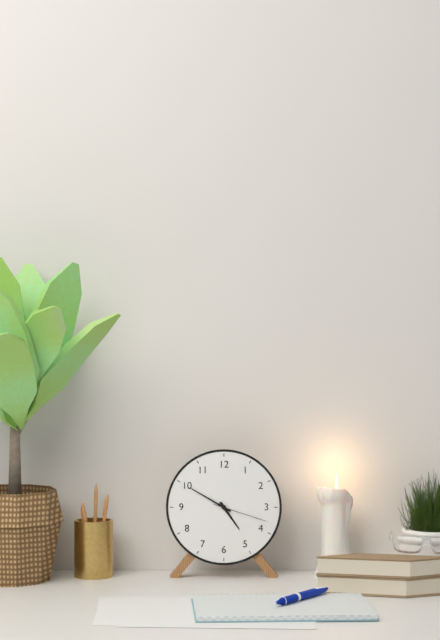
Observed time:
h=4 m=50 s=18
